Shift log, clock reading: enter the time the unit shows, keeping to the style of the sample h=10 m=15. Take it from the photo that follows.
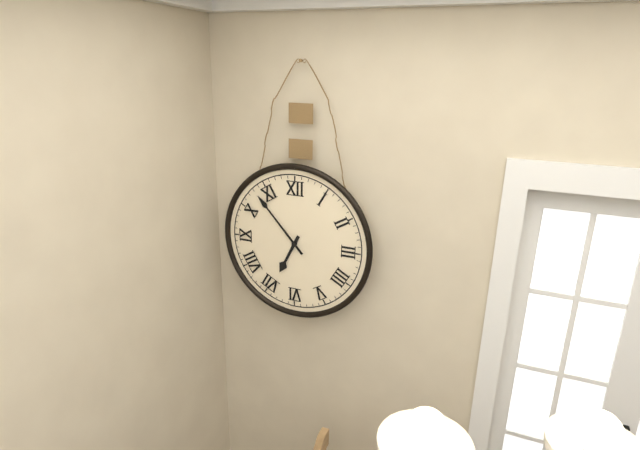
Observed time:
h=6 m=53
